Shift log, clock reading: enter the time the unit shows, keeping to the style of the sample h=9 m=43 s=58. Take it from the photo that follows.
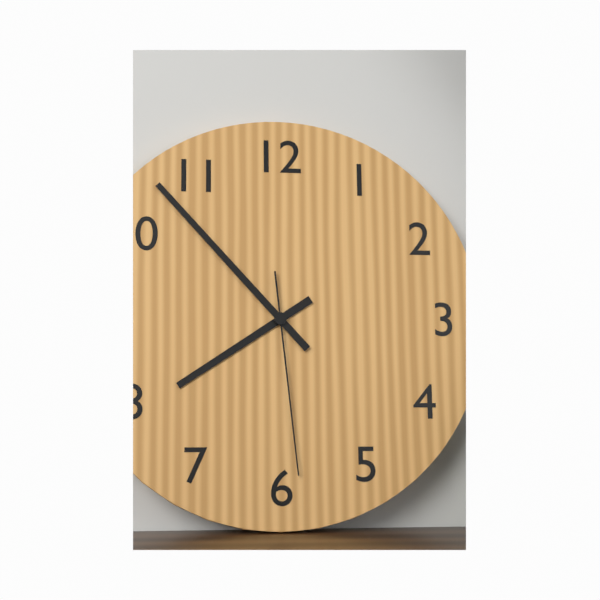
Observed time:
h=7 m=53 s=29
